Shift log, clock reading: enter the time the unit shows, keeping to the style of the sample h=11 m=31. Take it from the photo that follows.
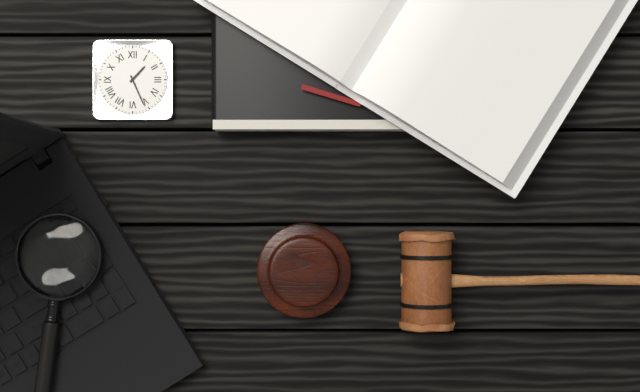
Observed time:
h=1 m=26
